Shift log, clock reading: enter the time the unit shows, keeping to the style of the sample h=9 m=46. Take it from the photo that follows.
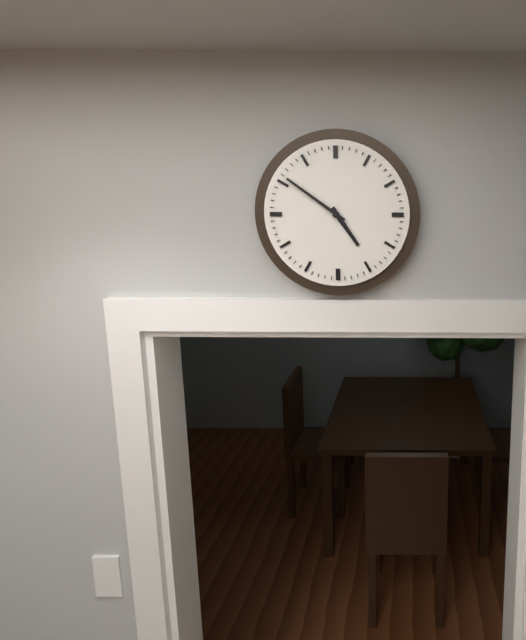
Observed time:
h=4 m=51
